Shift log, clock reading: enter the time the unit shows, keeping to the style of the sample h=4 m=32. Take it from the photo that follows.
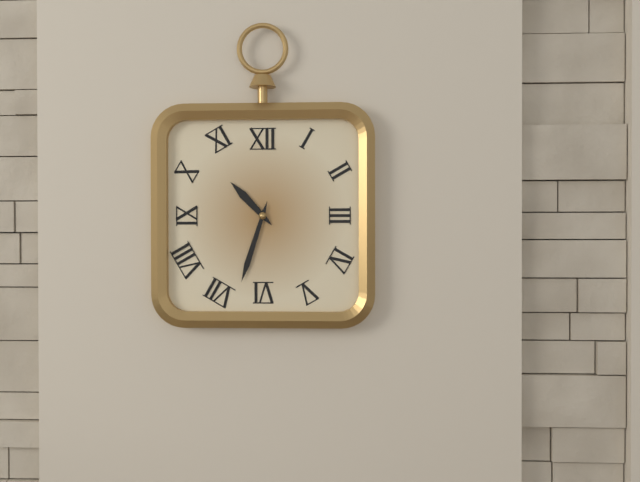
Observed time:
h=10 m=33
